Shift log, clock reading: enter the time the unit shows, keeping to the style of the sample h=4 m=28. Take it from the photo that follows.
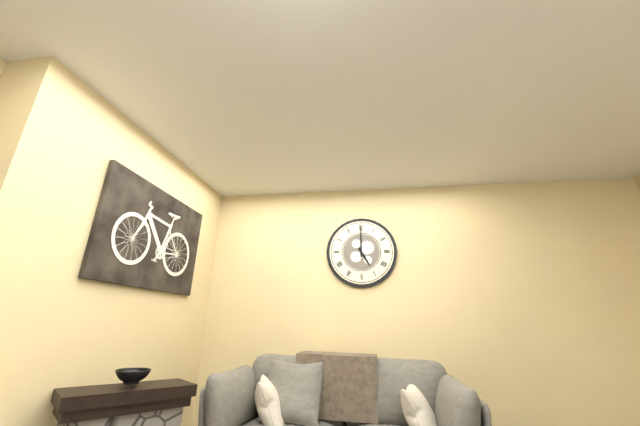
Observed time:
h=5 m=0
